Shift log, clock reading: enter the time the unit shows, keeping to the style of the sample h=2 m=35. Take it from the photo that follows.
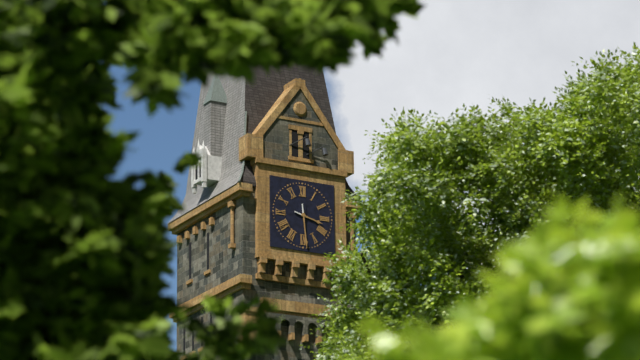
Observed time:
h=3 m=29
